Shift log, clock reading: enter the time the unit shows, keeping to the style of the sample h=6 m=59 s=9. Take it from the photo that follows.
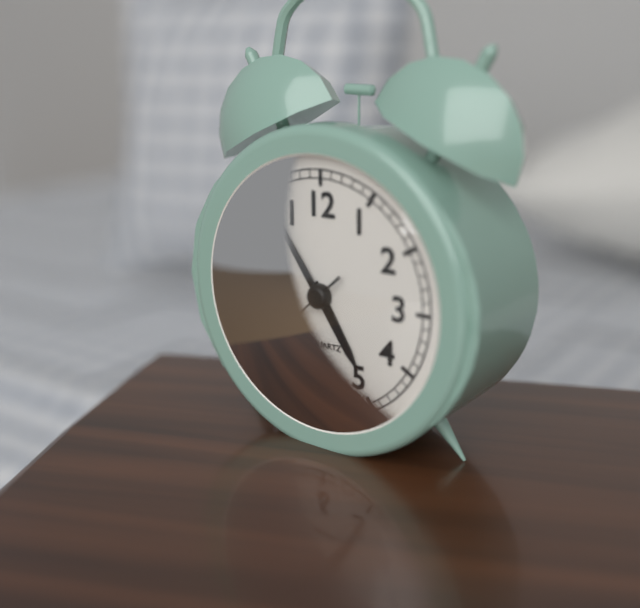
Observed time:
h=4 m=54 s=38
